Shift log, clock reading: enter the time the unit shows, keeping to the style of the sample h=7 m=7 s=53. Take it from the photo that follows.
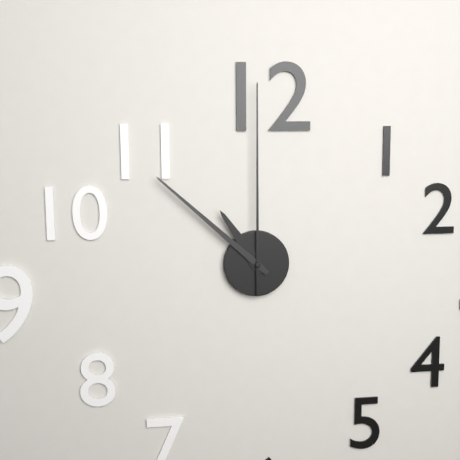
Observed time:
h=10 m=52 s=0
